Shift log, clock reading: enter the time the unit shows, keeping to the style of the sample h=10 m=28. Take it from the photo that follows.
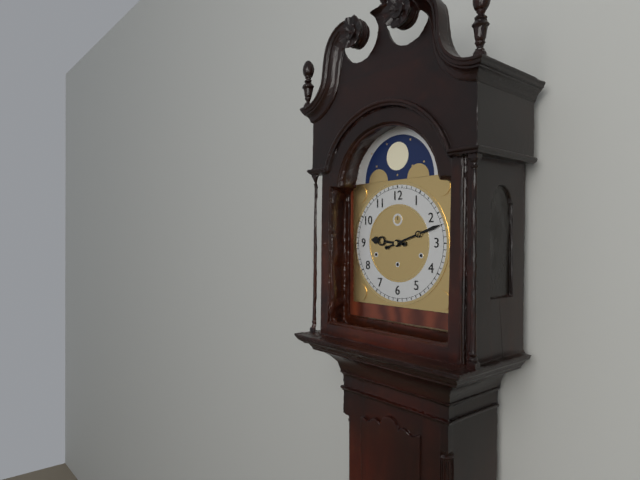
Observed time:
h=9 m=12
